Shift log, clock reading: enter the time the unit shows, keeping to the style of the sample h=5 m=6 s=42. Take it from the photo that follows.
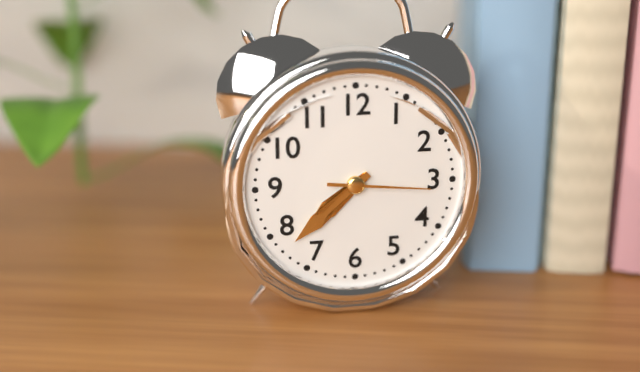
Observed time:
h=7 m=38 s=16
